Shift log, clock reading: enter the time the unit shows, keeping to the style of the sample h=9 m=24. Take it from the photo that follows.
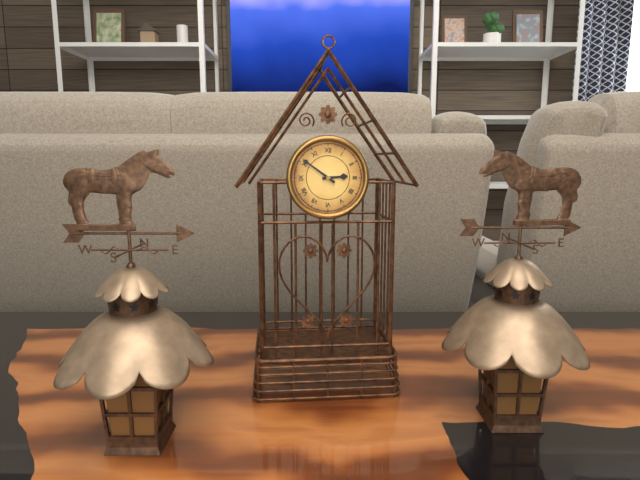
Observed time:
h=2 m=51
